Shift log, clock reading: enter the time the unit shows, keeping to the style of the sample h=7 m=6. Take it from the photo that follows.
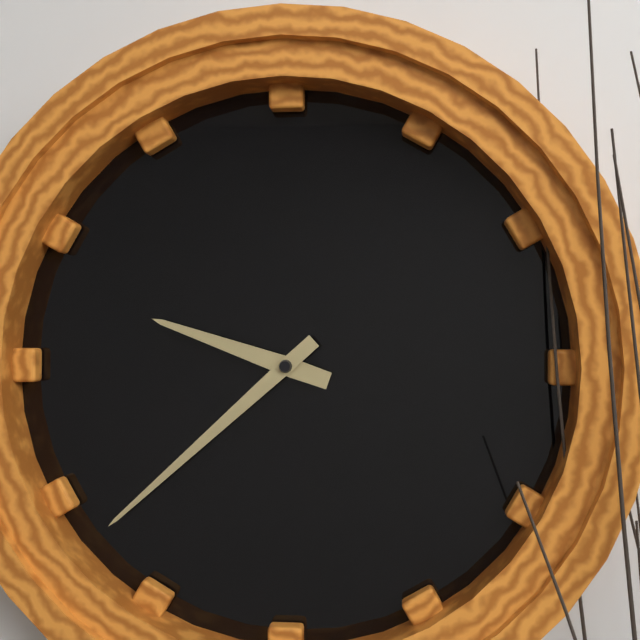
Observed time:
h=9 m=38
